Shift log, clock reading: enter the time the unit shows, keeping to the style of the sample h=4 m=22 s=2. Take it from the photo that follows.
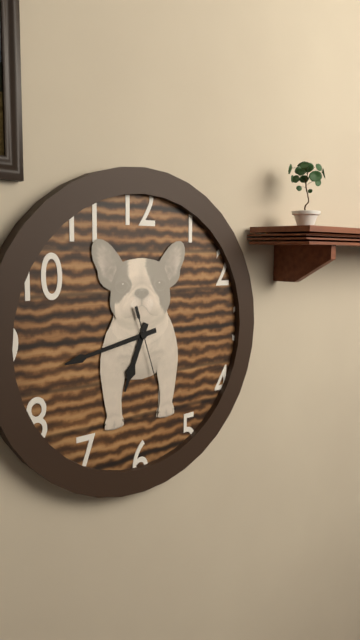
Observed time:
h=6 m=43 s=27
